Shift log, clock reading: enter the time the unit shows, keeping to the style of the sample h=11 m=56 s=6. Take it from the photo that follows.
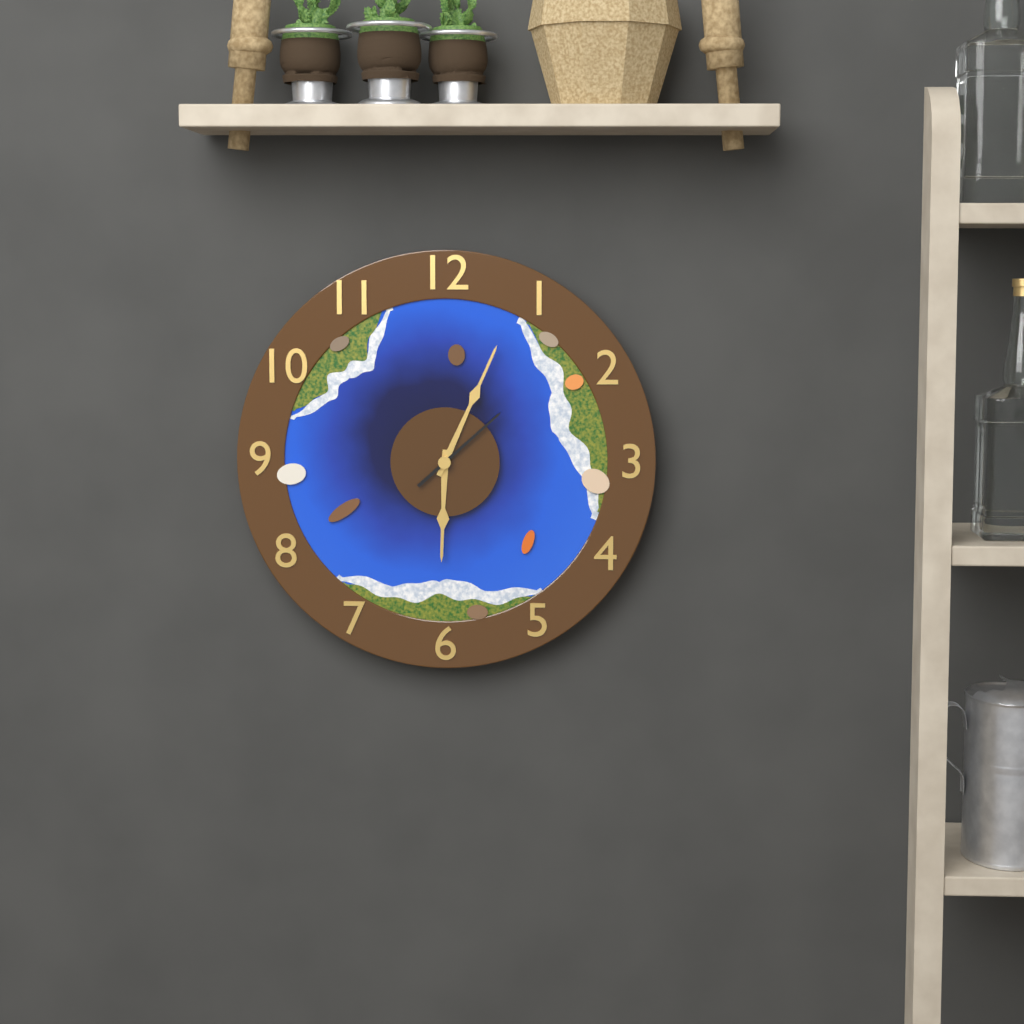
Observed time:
h=6 m=4 s=8
